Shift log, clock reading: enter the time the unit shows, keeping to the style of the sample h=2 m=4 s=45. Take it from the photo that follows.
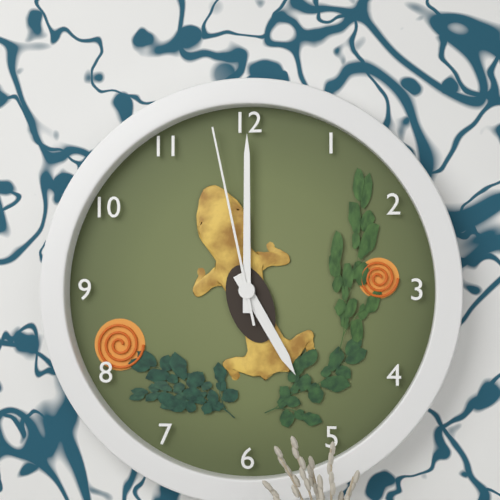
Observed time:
h=5 m=0 s=58
